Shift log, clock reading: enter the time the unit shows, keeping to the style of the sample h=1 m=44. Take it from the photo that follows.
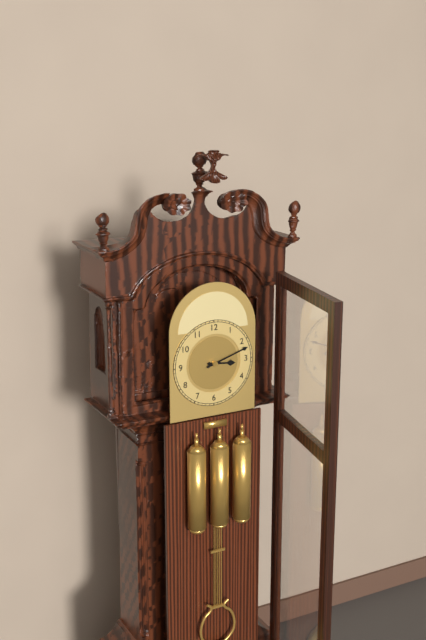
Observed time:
h=3 m=12
